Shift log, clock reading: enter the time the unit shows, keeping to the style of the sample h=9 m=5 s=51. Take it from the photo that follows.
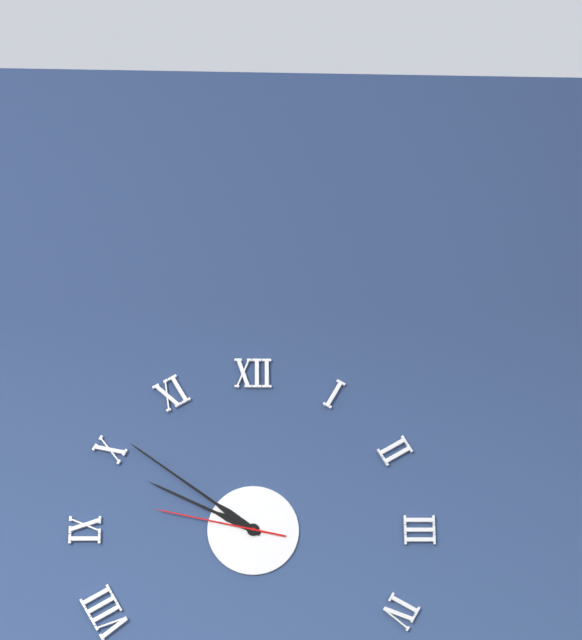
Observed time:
h=9 m=51 s=47
